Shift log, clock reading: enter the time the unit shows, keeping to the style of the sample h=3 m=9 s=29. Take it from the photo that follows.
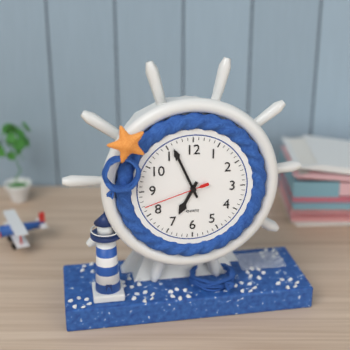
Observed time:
h=6 m=56 s=42
